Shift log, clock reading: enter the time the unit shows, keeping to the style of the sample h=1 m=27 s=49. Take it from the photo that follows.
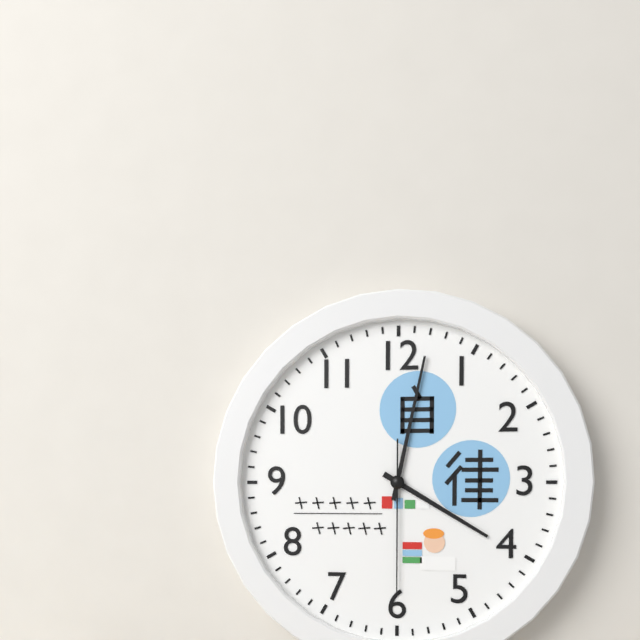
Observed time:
h=4 m=2 s=30
